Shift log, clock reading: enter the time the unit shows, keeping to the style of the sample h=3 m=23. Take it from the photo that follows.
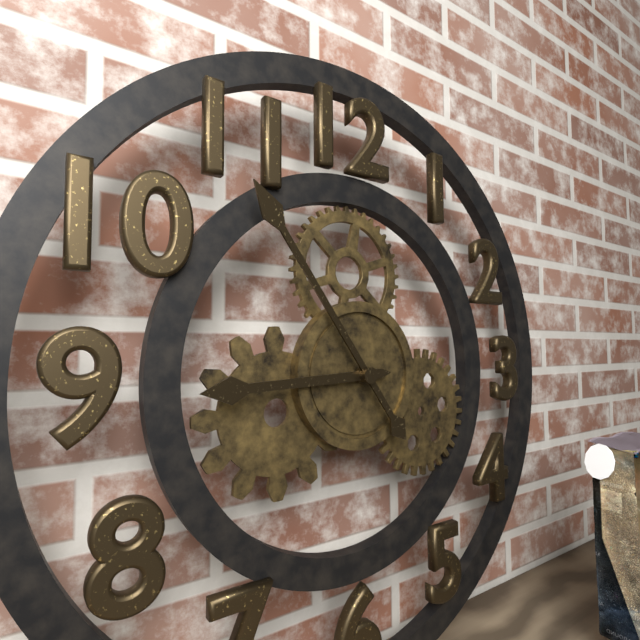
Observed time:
h=8 m=54
